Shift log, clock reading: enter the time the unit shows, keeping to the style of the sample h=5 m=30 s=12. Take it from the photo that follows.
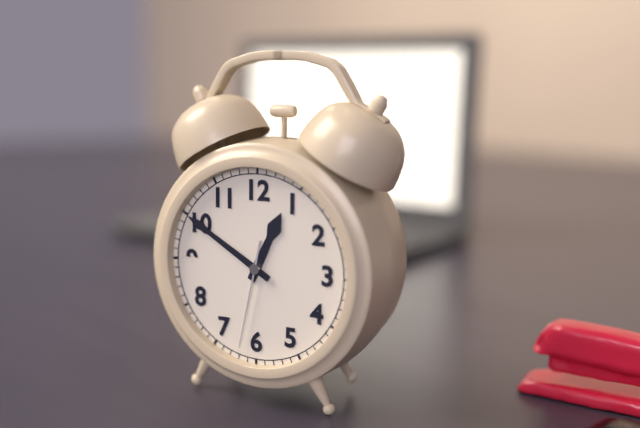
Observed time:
h=12 m=50 s=32
